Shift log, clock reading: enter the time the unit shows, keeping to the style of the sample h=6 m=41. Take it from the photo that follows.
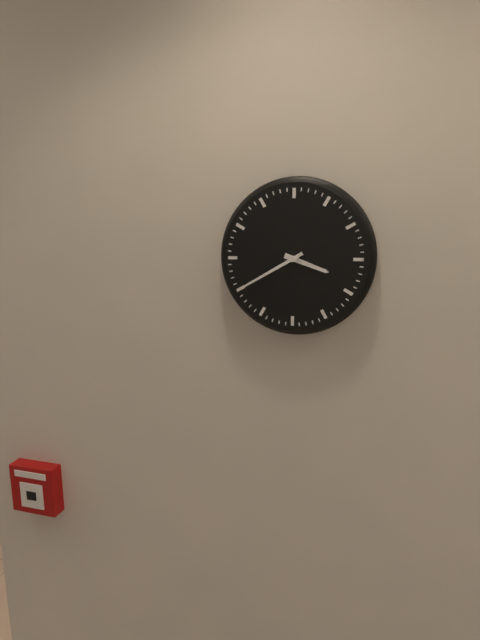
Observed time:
h=3 m=40
